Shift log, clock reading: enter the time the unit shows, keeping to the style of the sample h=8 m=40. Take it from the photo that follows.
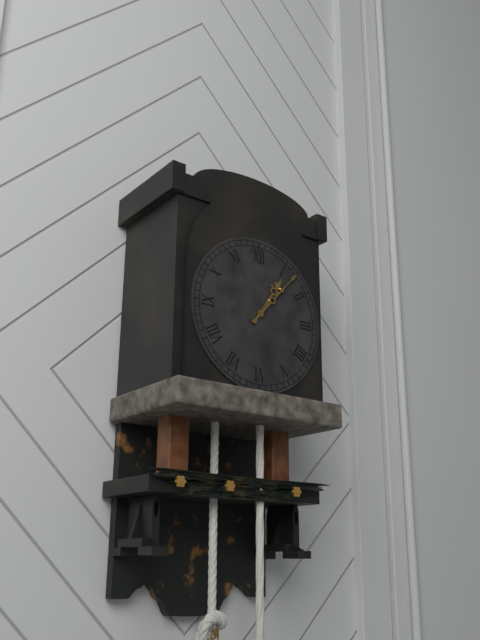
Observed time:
h=1 m=7
